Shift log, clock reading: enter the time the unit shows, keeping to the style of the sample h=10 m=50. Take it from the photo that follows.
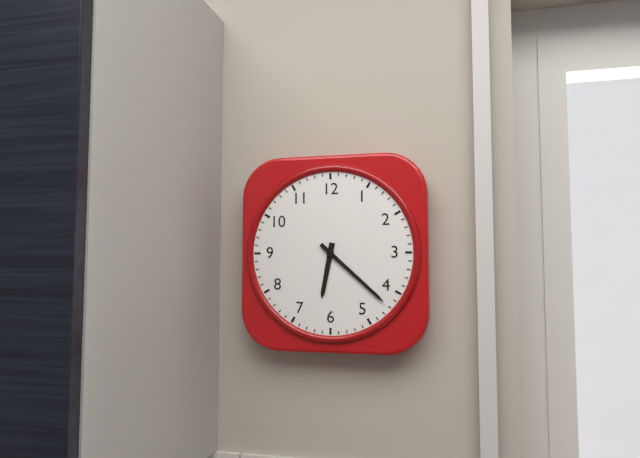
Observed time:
h=6 m=22
